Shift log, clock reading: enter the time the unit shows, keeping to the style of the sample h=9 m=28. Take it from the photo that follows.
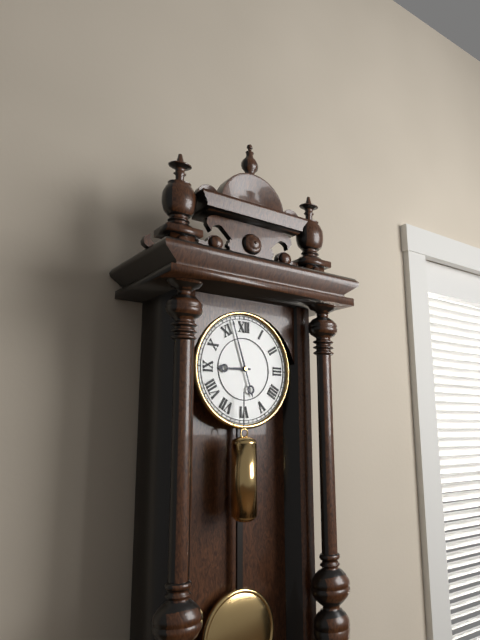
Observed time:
h=8 m=57
